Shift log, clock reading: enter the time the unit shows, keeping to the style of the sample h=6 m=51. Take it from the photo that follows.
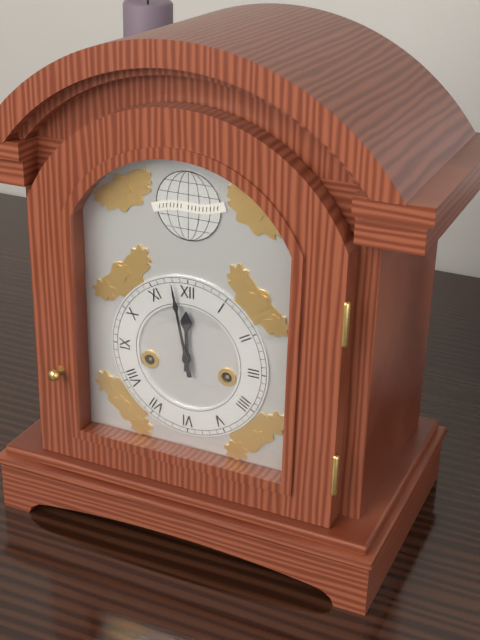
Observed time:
h=11 m=58
